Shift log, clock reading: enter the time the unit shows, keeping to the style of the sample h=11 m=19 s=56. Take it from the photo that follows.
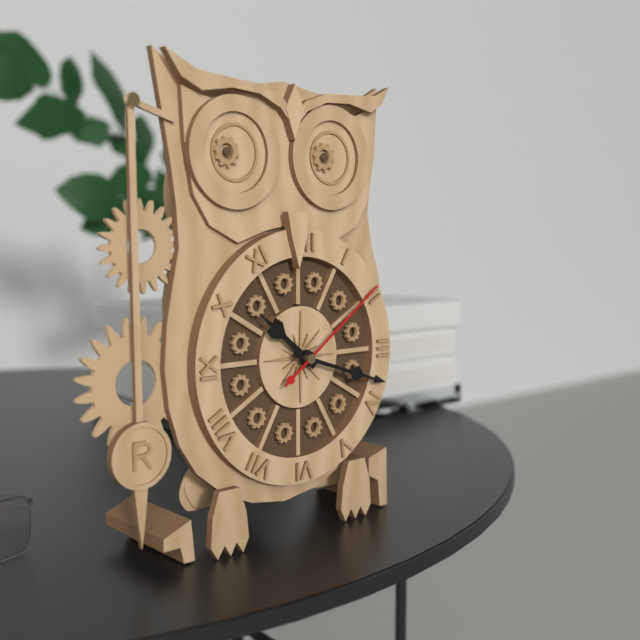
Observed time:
h=10 m=18 s=9
